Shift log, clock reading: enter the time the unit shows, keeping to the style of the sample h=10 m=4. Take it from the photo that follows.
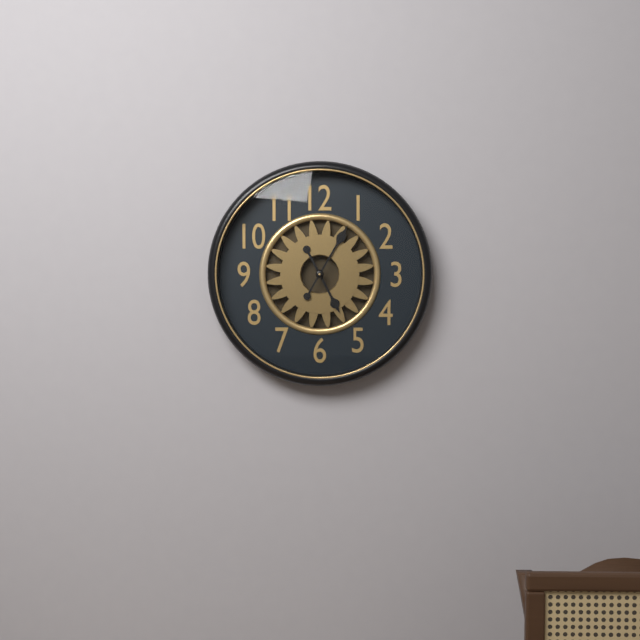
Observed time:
h=5 m=5
